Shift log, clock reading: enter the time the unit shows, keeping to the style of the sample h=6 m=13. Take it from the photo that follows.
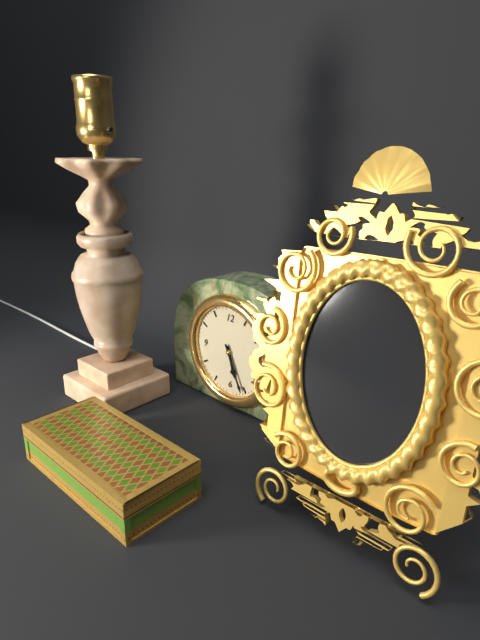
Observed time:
h=5 m=26
